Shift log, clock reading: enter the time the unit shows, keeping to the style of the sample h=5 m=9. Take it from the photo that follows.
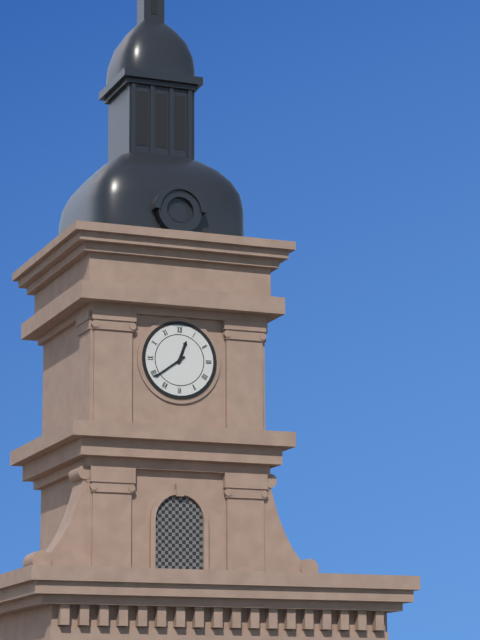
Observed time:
h=12 m=39
